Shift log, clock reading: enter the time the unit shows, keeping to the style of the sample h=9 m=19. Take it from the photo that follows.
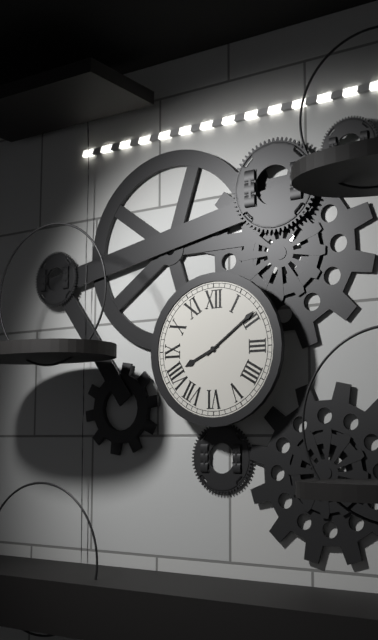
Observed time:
h=8 m=9
